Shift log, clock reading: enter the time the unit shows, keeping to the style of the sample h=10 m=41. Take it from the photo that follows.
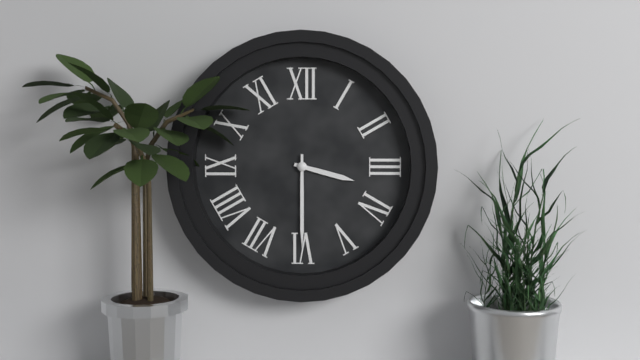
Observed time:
h=3 m=30
